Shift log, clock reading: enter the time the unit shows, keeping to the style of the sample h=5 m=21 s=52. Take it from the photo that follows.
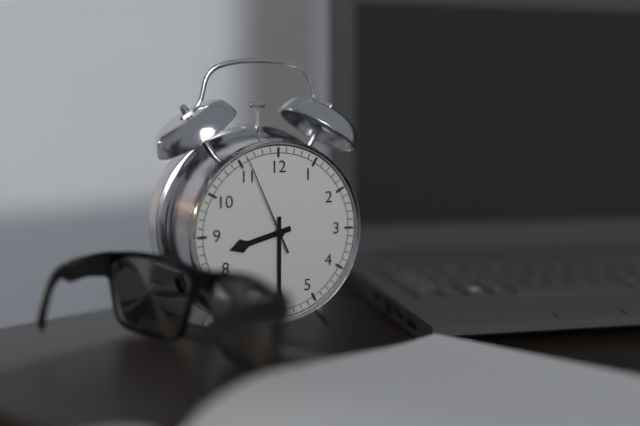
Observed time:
h=8 m=30 s=56
